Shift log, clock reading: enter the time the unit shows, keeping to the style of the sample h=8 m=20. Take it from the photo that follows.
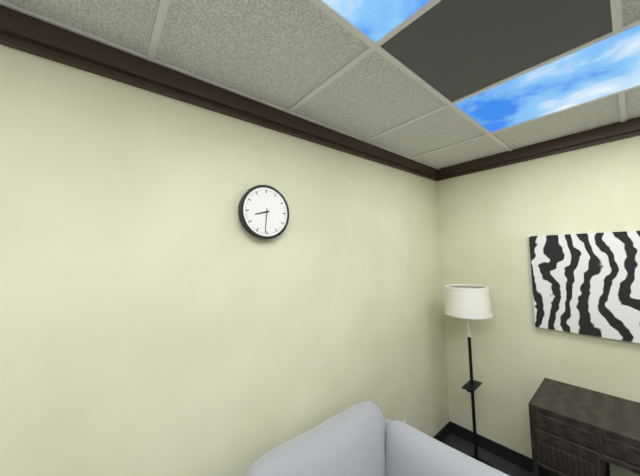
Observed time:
h=8 m=31
